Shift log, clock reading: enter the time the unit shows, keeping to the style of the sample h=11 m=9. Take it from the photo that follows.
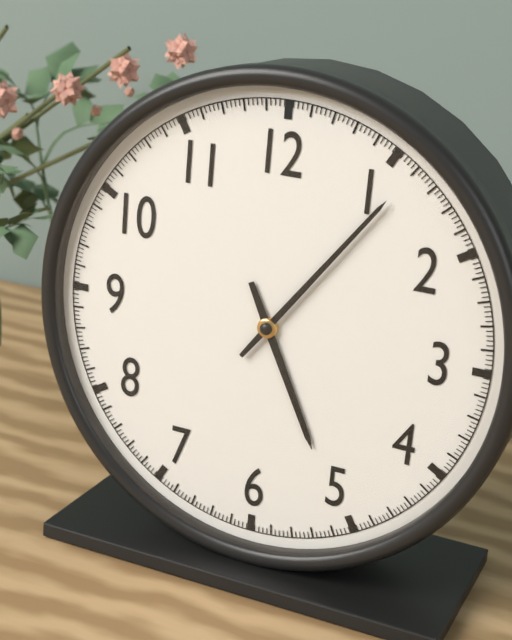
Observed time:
h=5 m=6
